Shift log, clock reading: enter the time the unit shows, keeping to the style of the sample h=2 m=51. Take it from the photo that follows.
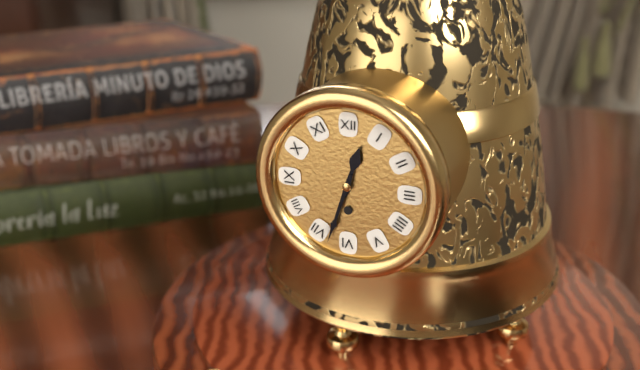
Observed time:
h=12 m=33
